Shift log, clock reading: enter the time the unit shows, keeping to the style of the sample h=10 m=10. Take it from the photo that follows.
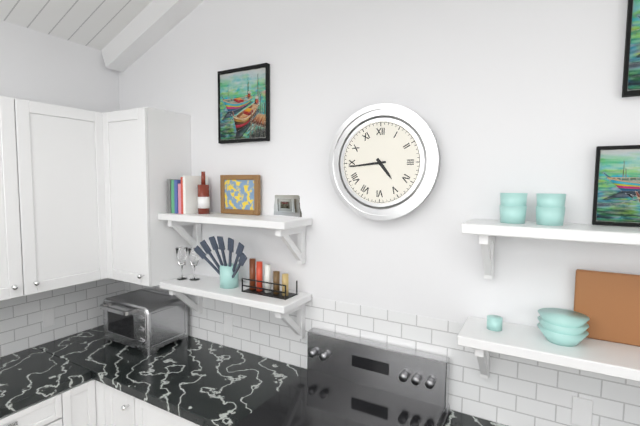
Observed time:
h=4 m=44
